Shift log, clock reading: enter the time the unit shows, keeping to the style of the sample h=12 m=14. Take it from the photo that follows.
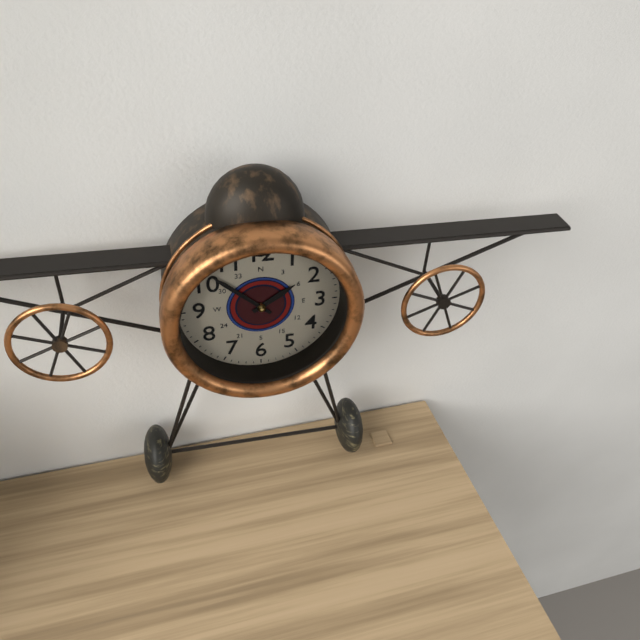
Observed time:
h=1 m=52
